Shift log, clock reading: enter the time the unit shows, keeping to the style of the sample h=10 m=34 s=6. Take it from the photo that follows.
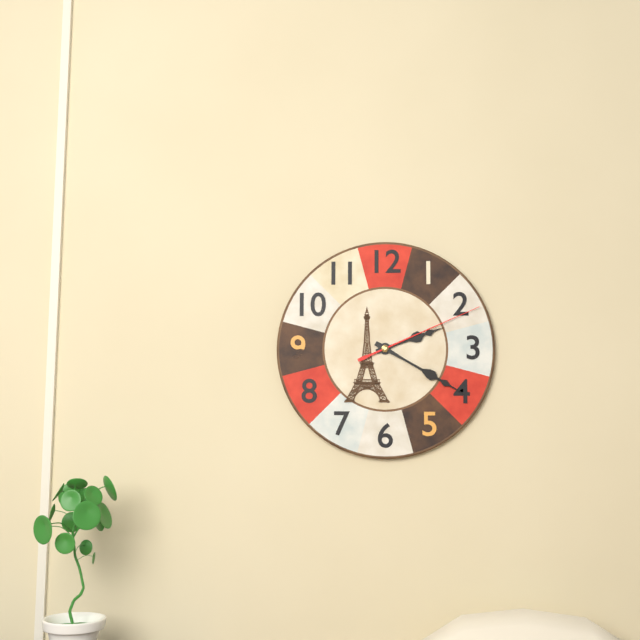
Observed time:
h=2 m=20 s=11
